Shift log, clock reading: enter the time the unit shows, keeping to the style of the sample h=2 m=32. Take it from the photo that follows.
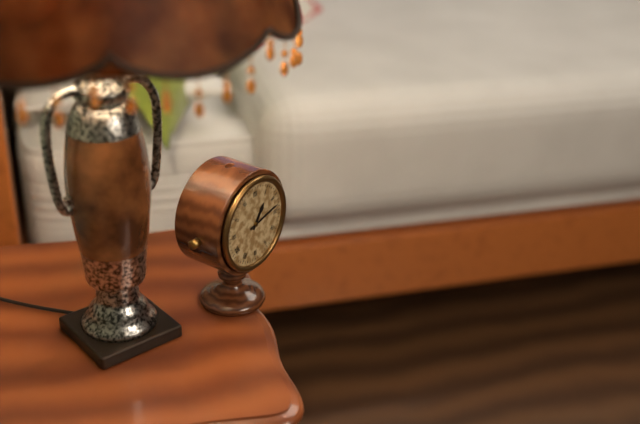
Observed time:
h=1 m=13
